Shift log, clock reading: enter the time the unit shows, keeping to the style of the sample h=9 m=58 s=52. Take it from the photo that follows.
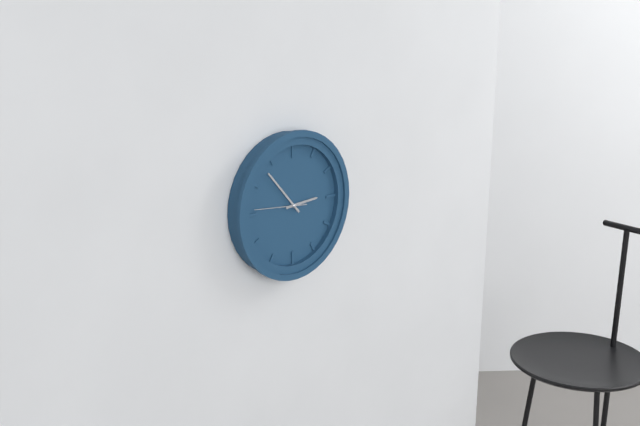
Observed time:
h=2 m=53 s=46
